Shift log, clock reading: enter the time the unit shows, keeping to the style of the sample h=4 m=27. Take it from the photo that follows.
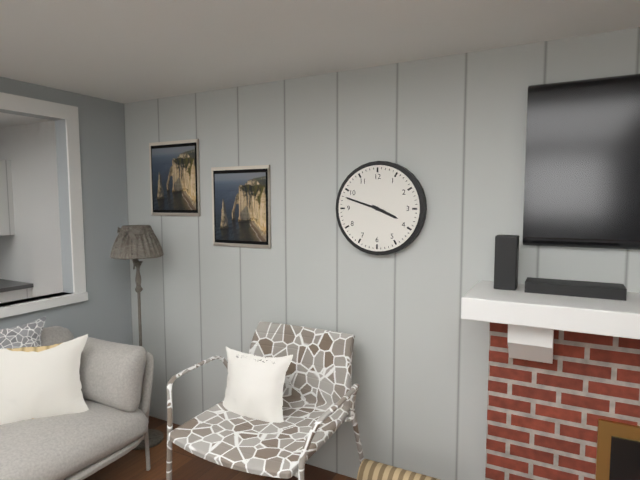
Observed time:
h=3 m=48
